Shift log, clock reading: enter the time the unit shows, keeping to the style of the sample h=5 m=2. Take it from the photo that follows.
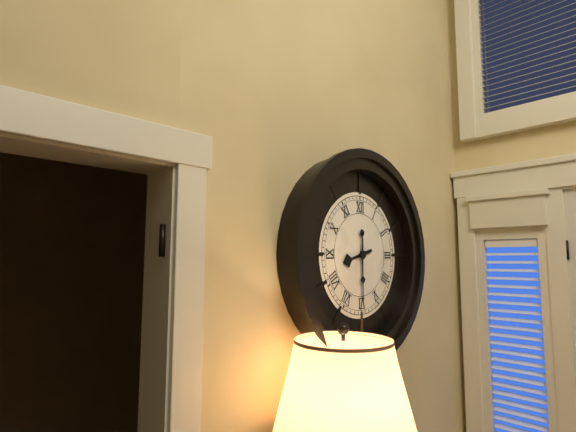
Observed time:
h=8 m=30
